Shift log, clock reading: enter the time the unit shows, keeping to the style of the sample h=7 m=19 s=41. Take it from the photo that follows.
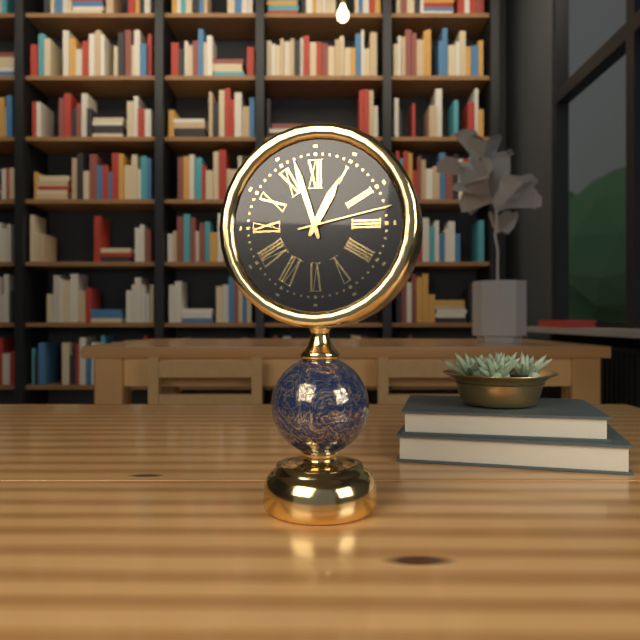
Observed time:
h=12 m=57 s=13
